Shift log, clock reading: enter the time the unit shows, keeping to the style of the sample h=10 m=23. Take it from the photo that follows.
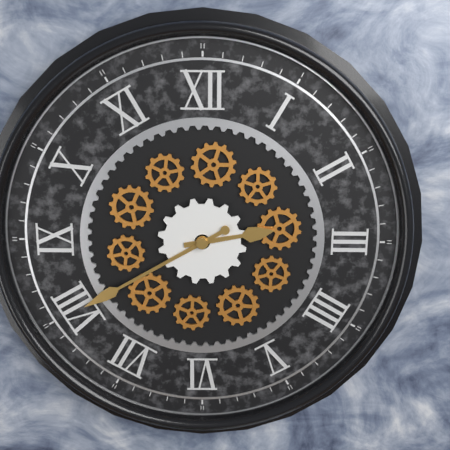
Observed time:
h=2 m=40
